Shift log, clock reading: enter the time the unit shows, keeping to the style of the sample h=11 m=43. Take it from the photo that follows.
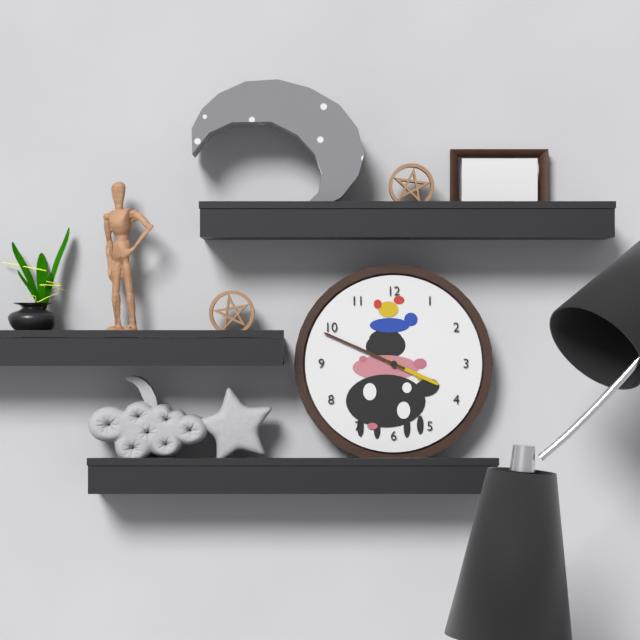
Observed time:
h=3 m=49
